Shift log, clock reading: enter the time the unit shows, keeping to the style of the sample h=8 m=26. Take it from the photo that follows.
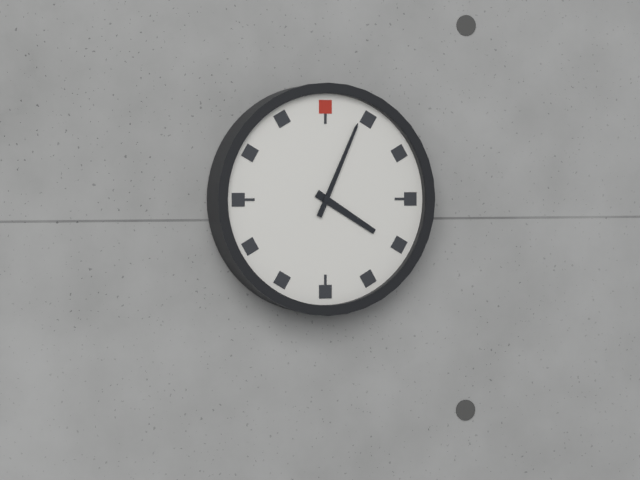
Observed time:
h=4 m=4
